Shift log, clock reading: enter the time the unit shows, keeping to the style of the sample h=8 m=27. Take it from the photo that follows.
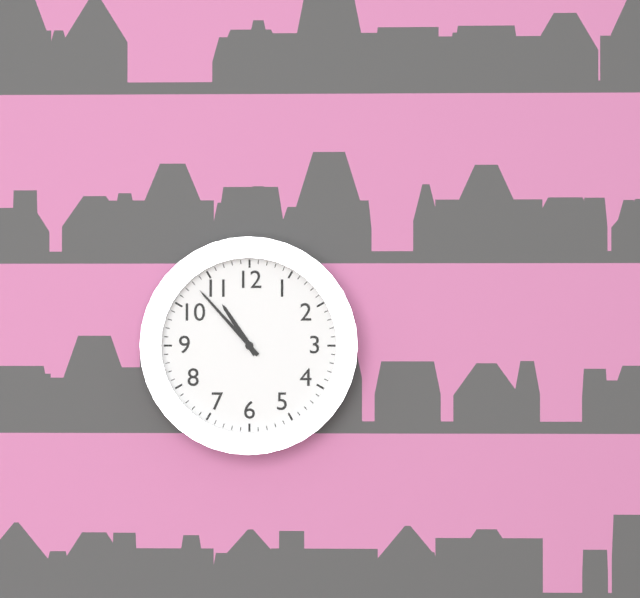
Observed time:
h=10 m=53
